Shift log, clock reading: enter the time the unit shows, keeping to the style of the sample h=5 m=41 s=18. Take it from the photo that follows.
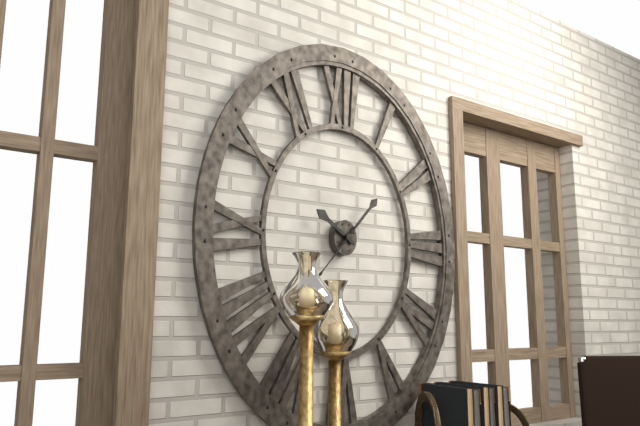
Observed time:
h=10 m=7 s=37
